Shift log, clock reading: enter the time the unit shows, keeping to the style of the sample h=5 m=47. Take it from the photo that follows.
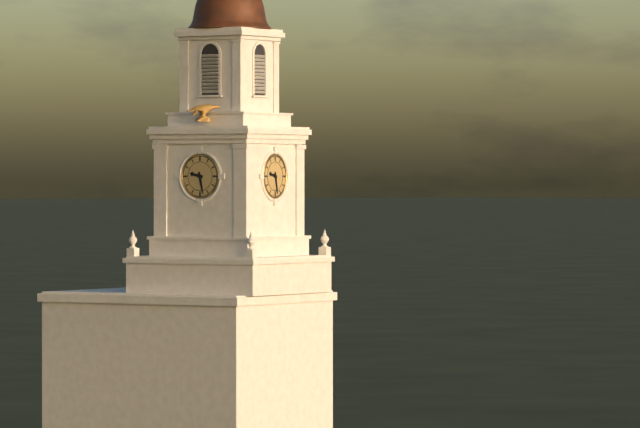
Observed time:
h=9 m=28
